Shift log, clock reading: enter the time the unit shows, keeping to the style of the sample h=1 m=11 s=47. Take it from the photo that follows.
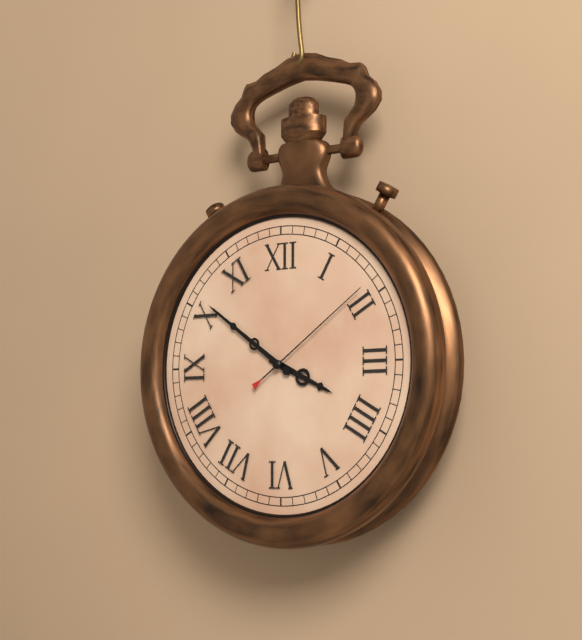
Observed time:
h=3 m=51 s=9
